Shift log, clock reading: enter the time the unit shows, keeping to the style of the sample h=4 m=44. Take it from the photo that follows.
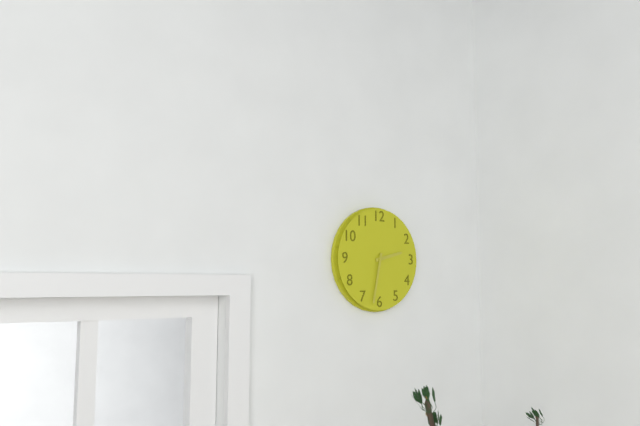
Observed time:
h=2 m=32
